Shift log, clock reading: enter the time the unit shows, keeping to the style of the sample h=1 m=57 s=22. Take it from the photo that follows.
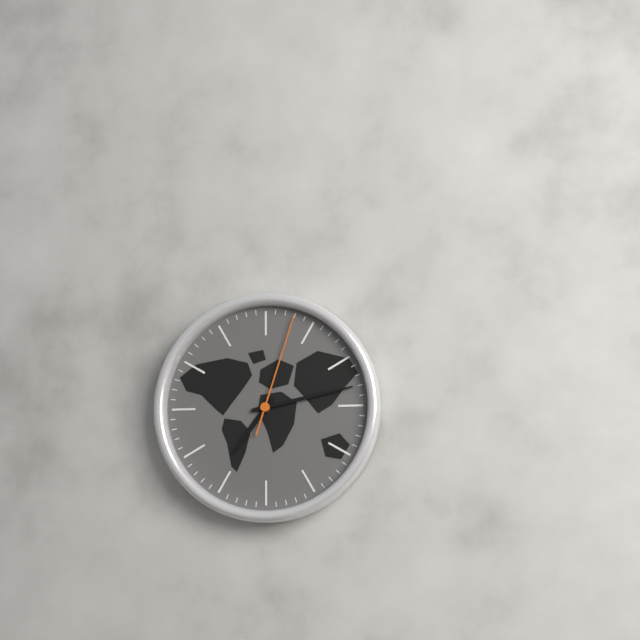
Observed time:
h=7 m=13 s=3
